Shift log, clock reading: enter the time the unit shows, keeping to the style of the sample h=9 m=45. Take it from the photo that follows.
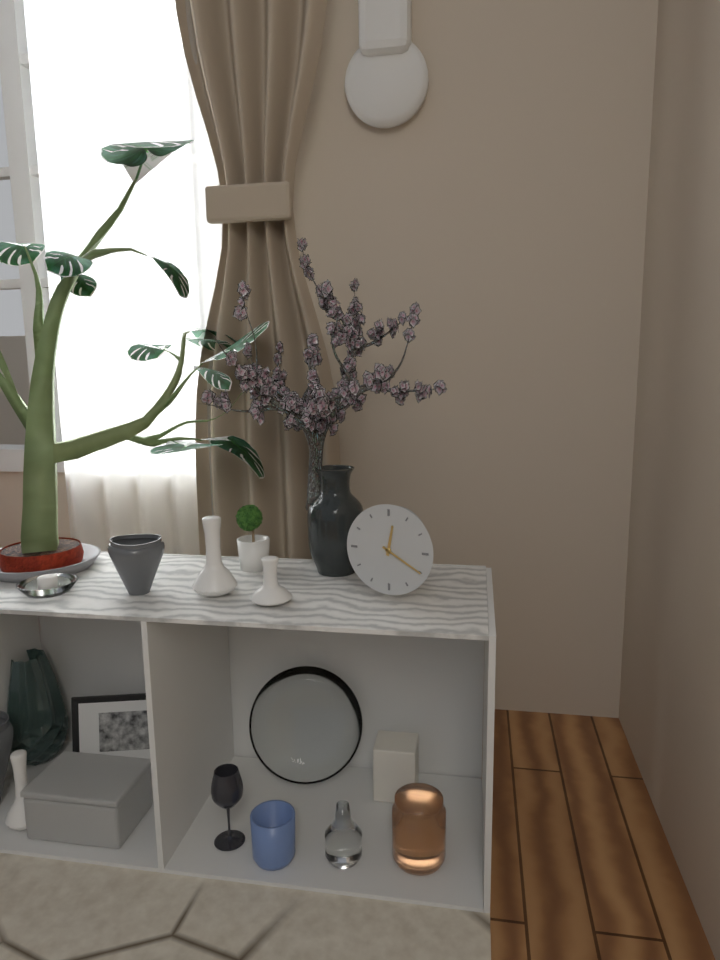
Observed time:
h=12 m=20
